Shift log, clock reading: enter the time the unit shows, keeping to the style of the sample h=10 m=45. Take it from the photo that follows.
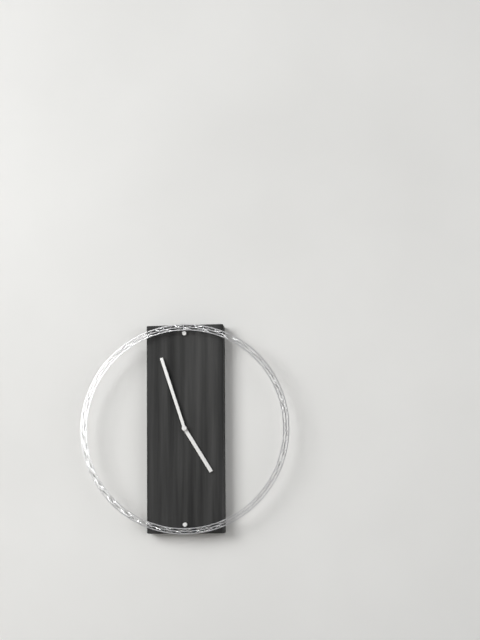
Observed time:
h=4 m=57
